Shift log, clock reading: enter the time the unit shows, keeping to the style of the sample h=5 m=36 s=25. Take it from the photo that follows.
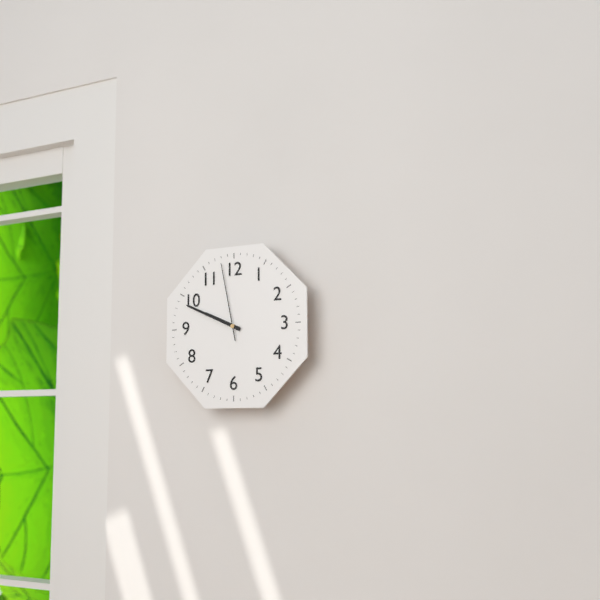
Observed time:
h=9 m=49 s=58
